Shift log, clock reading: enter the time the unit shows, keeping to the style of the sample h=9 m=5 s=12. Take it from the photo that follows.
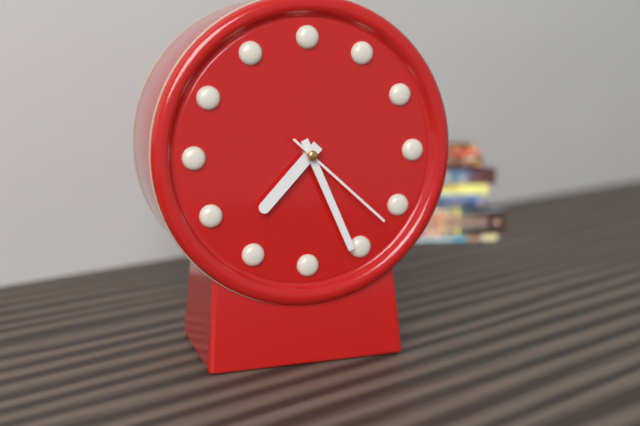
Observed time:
h=7 m=26 s=22
